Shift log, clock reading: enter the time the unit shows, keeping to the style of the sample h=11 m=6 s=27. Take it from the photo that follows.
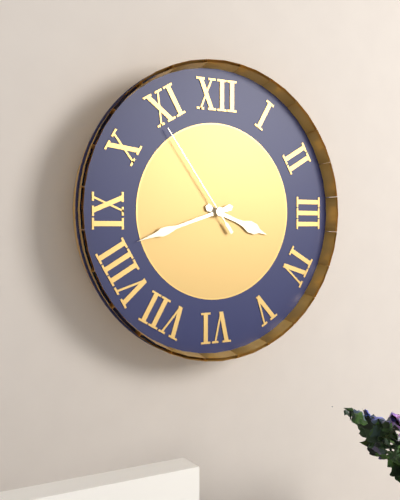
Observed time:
h=3 m=42 s=54
